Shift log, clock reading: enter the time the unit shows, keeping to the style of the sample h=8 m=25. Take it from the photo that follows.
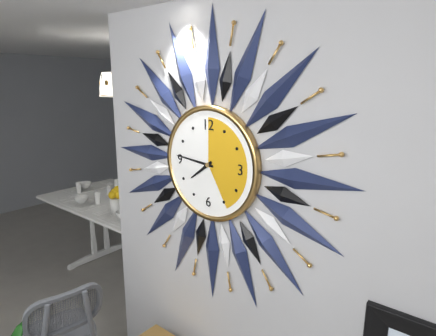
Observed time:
h=7 m=46
